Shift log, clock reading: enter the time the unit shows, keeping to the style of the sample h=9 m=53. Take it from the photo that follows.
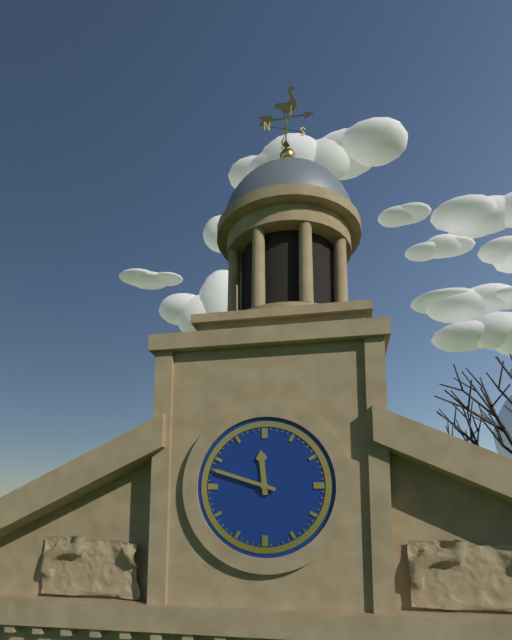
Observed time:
h=11 m=48
